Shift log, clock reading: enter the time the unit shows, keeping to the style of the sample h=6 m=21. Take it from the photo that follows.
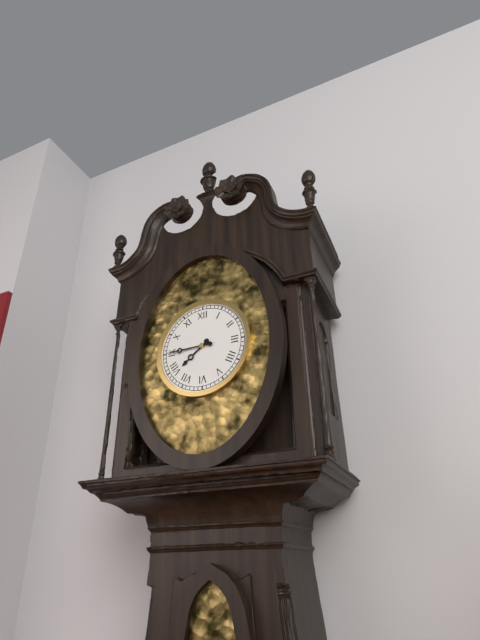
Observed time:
h=7 m=45
